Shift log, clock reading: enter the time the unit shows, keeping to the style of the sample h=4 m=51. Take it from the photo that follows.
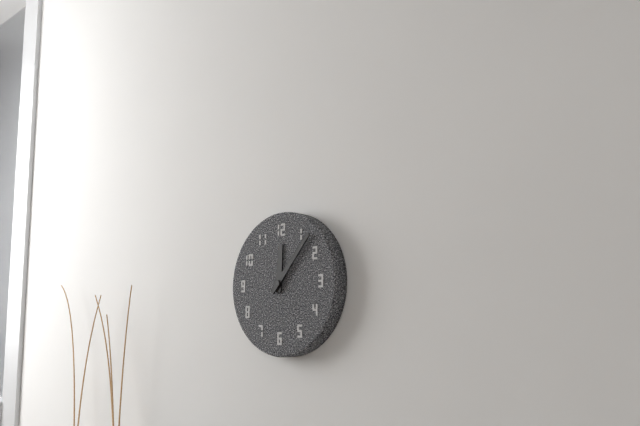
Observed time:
h=12 m=7
